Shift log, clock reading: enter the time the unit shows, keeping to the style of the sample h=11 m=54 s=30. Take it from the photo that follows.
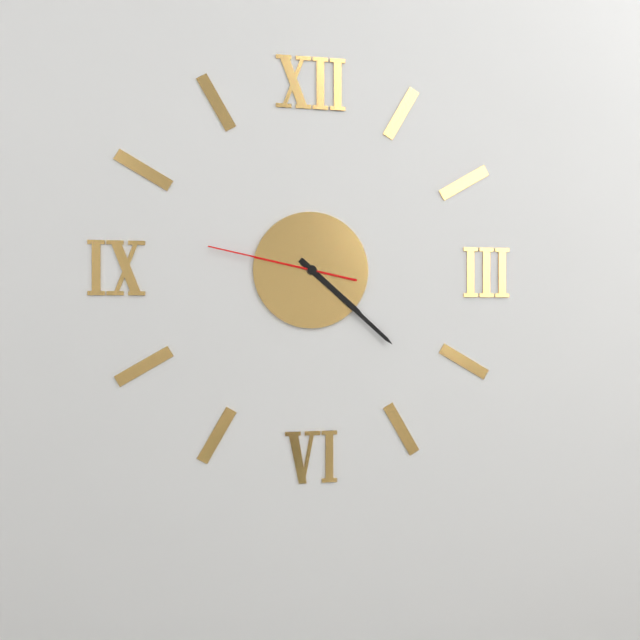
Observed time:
h=4 m=22 s=47
